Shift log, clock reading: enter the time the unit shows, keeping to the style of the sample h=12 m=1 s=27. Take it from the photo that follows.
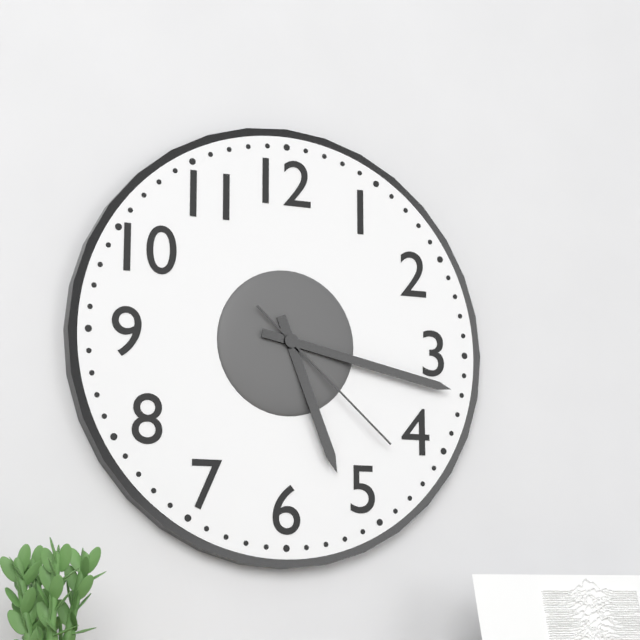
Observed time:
h=5 m=17 s=22
